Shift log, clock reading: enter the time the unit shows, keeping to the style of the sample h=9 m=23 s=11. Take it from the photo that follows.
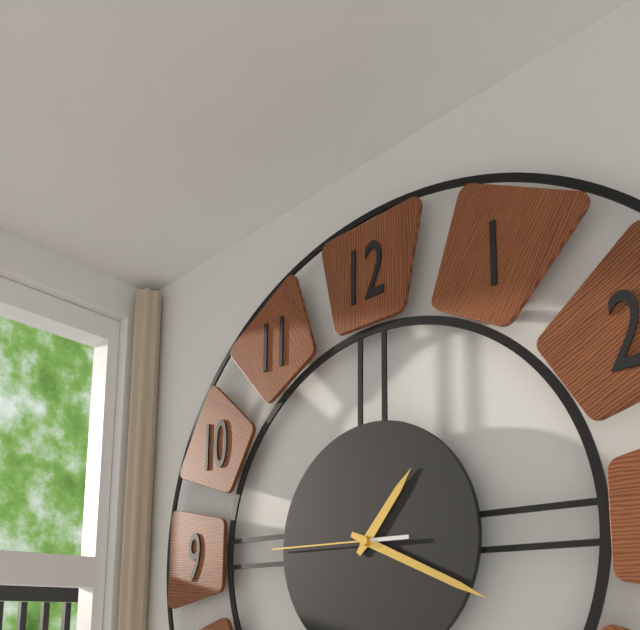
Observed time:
h=1 m=19 s=45
